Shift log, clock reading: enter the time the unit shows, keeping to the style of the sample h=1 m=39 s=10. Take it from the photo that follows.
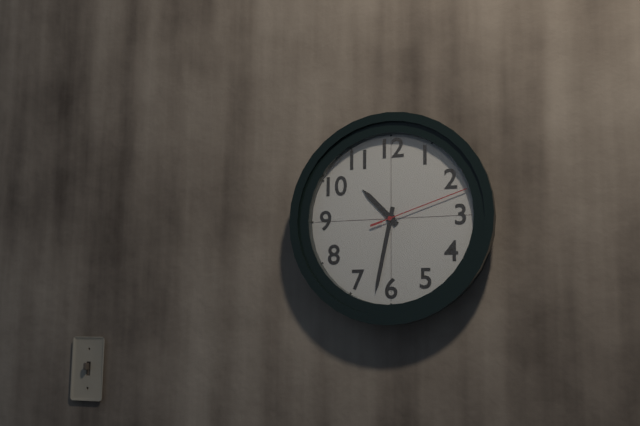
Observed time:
h=10 m=32 s=12
